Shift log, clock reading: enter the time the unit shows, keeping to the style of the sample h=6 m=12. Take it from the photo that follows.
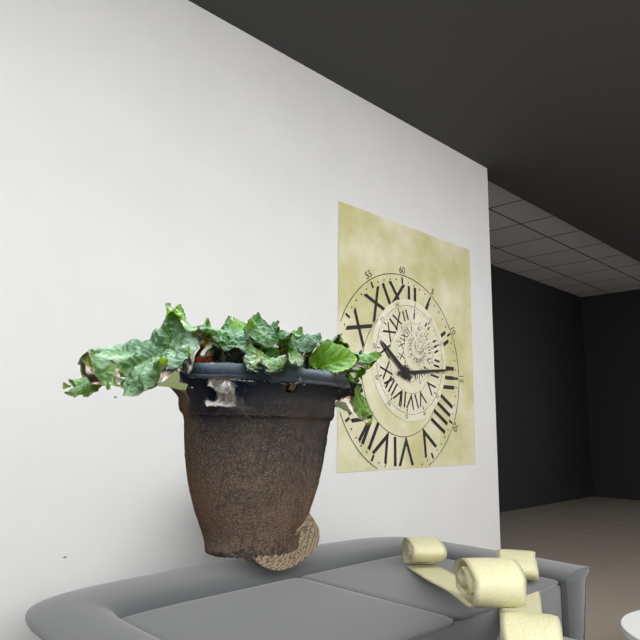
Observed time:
h=10 m=14
